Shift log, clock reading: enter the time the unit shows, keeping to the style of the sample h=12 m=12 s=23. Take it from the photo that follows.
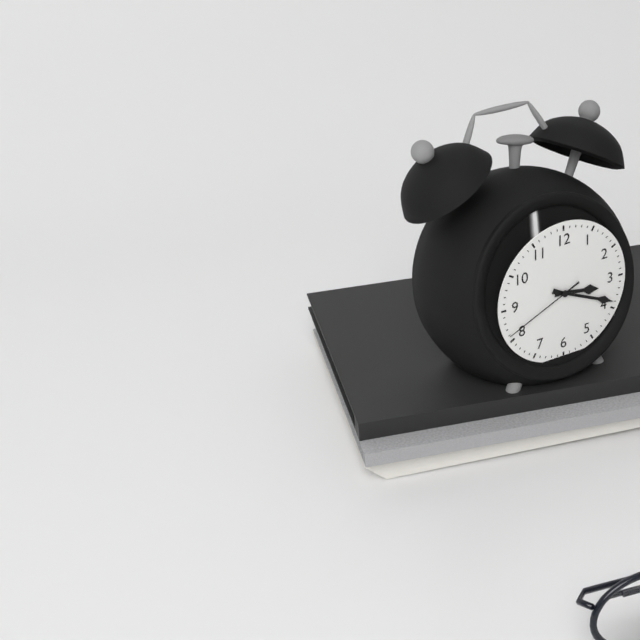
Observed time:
h=3 m=19 s=41
